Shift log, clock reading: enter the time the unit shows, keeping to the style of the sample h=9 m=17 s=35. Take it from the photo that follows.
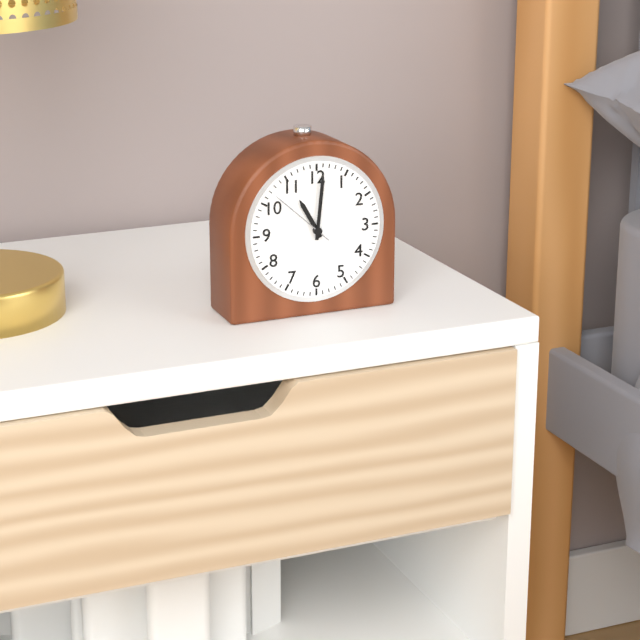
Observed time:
h=11 m=1 s=52
